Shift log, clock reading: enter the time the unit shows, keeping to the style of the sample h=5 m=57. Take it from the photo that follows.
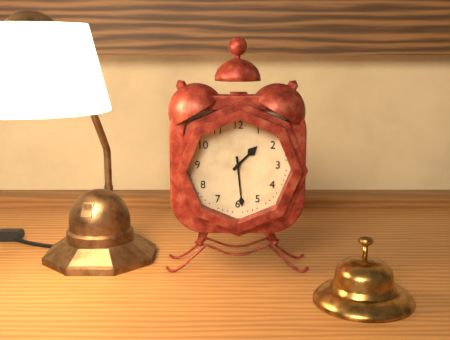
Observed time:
h=1 m=29
